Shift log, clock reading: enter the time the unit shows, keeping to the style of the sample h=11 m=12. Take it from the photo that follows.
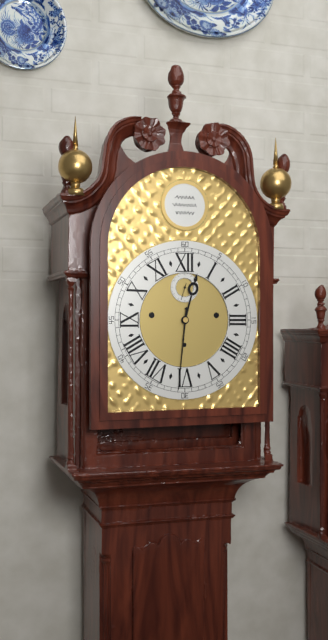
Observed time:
h=12 m=31
